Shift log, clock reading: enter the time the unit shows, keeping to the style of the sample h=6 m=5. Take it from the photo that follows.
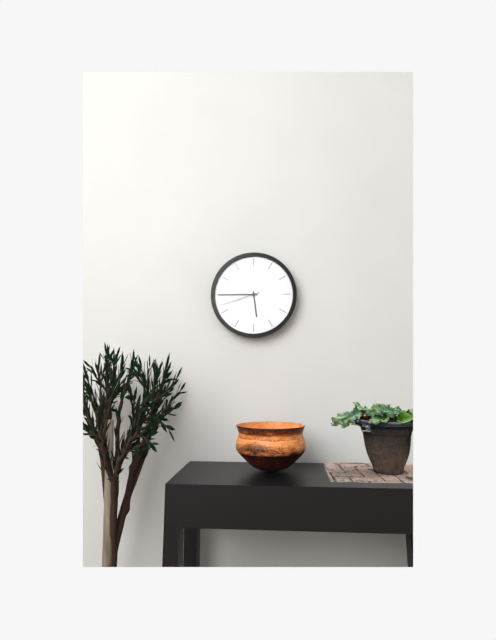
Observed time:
h=5 m=45
